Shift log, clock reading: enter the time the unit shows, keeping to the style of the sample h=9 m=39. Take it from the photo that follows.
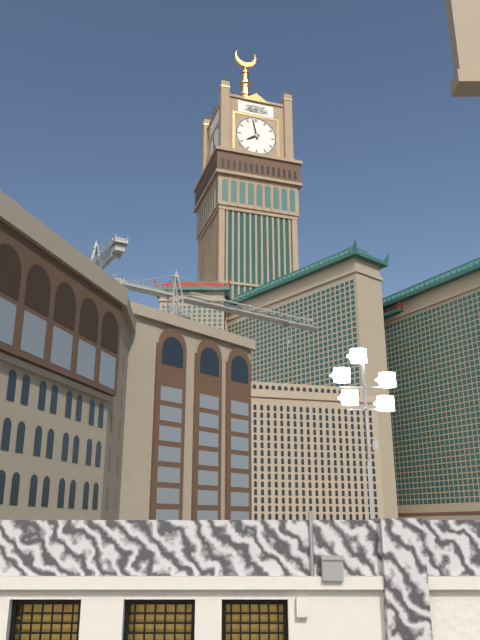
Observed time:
h=7 m=58
